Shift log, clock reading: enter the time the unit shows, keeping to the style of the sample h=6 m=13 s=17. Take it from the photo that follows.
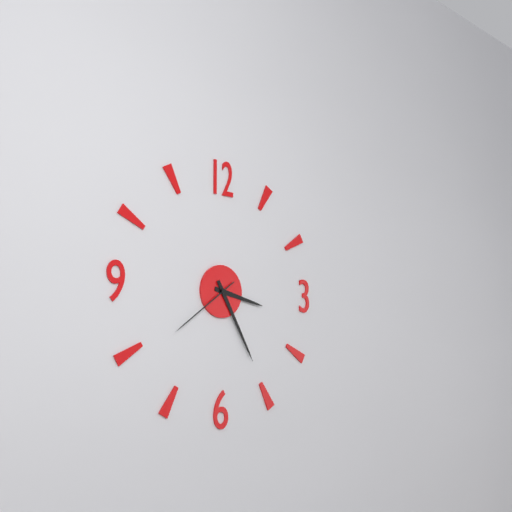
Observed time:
h=3 m=25 s=39
